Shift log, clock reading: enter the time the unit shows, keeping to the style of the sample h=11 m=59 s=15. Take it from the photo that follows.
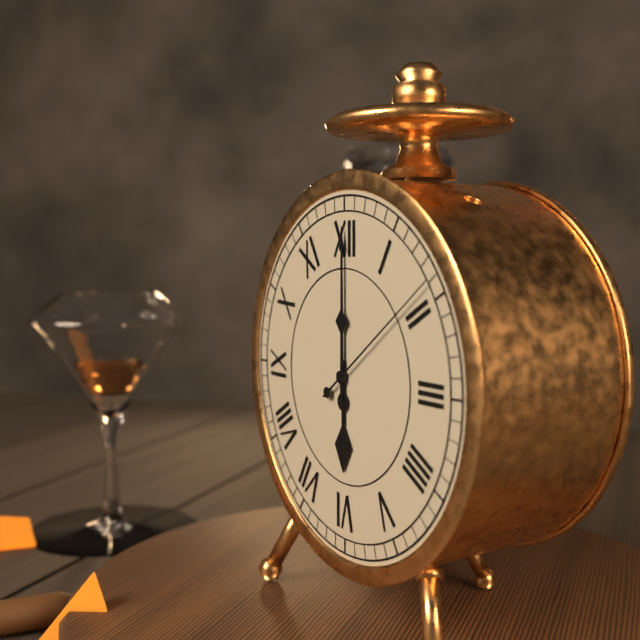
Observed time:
h=6 m=0 s=9
